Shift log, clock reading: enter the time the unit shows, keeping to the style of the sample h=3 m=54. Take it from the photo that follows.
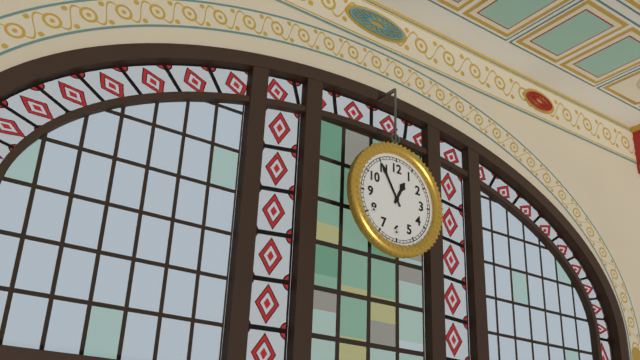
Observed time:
h=12 m=55
